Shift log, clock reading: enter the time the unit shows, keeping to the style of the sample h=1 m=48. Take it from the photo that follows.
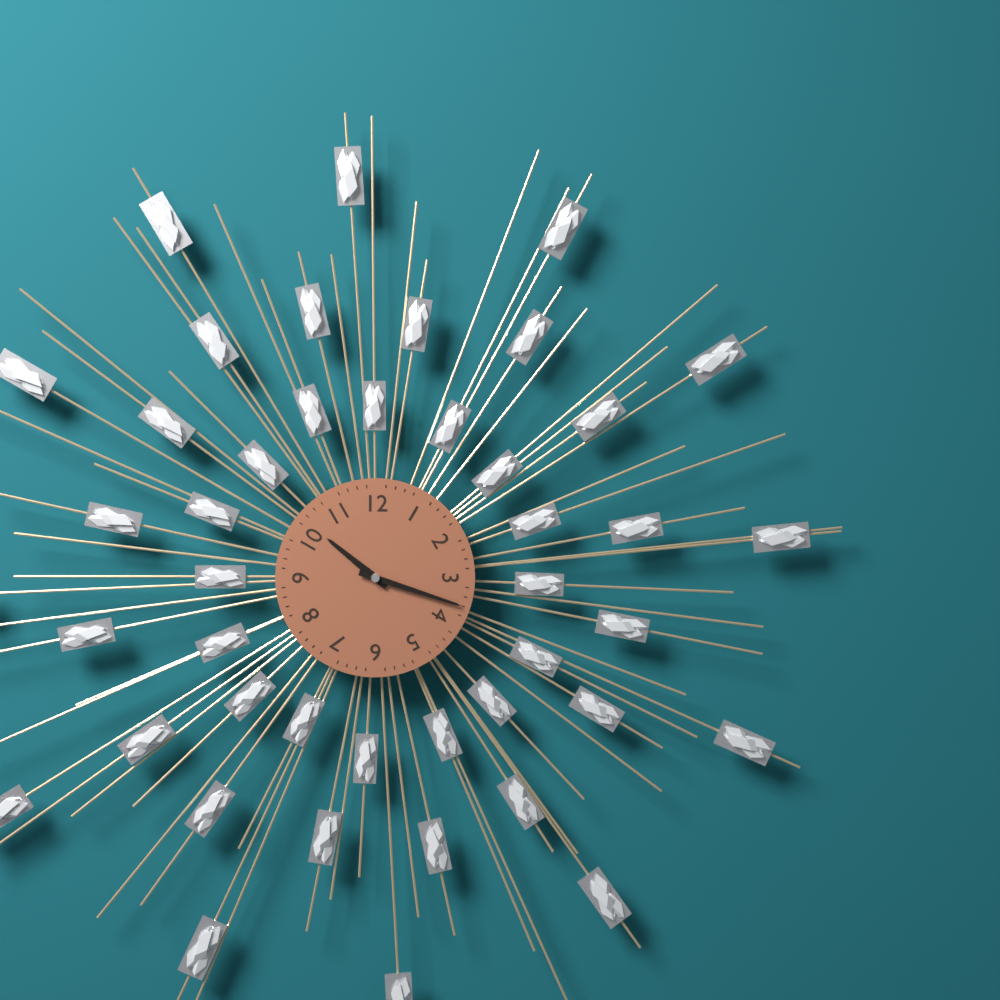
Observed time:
h=10 m=18
